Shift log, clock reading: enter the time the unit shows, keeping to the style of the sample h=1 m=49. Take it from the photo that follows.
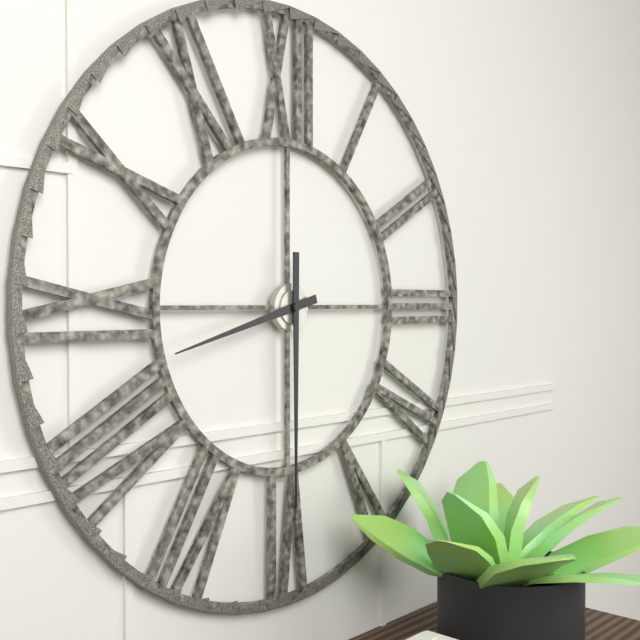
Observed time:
h=8 m=30
